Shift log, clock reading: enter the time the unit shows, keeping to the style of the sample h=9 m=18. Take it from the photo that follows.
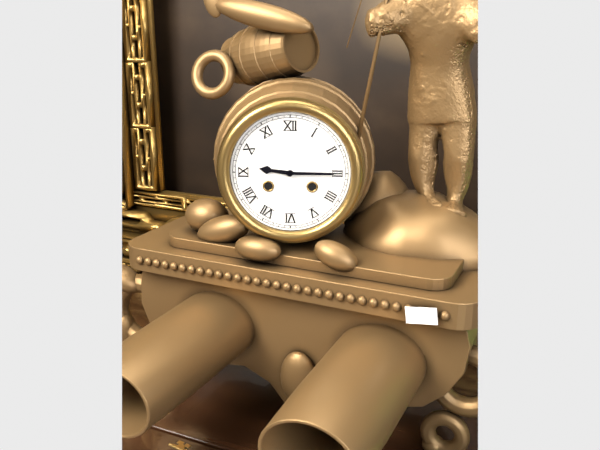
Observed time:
h=9 m=15
